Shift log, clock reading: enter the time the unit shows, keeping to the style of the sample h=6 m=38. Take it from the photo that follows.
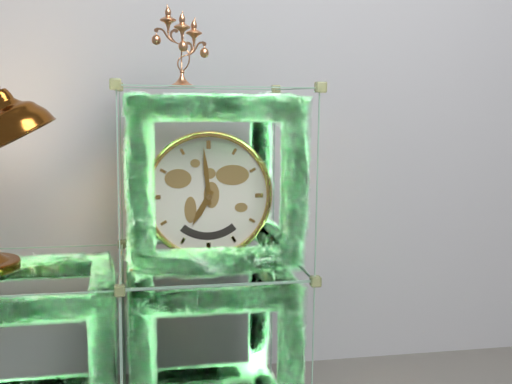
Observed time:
h=6 m=59
